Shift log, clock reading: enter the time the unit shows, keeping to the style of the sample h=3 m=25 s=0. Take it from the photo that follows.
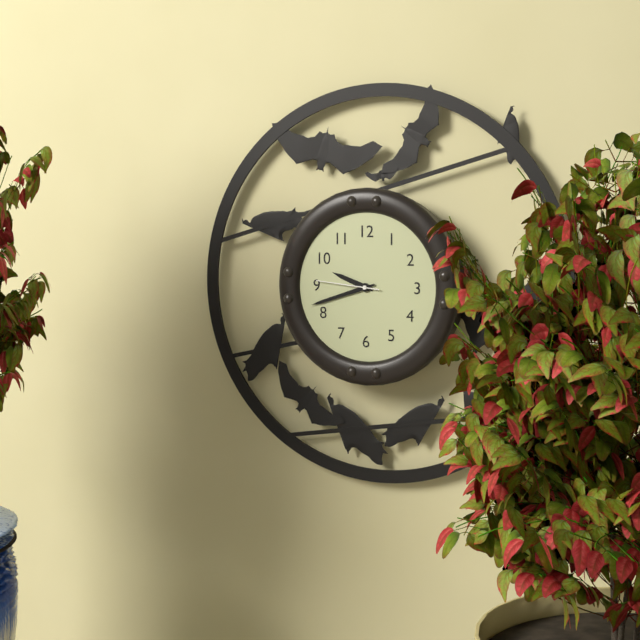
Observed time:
h=9 m=42 s=46
